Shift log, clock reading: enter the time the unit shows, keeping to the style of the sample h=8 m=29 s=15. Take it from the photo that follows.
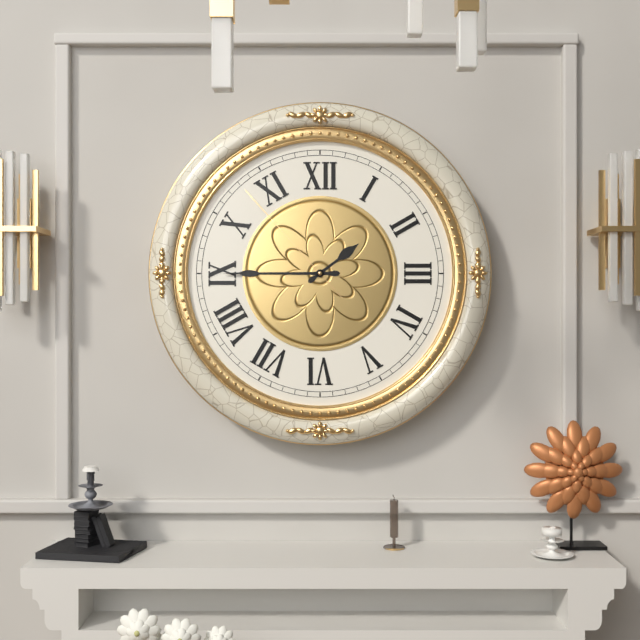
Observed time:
h=1 m=45 s=53
